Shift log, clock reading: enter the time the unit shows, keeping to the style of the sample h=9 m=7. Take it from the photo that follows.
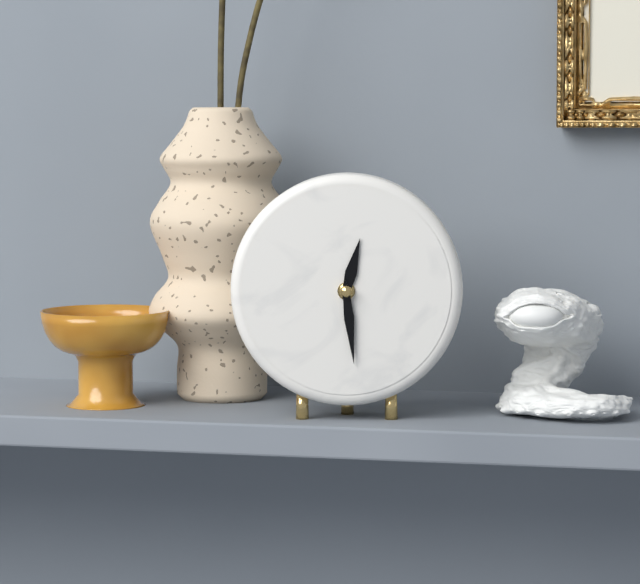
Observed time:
h=12 m=29
